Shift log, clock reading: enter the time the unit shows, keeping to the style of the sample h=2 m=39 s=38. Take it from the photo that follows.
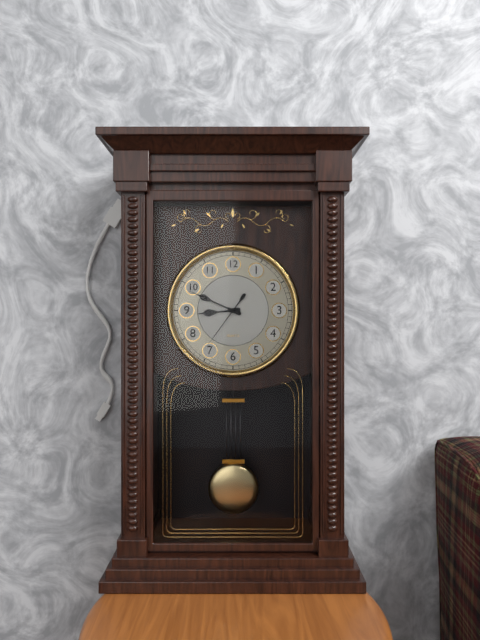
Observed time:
h=8 m=49 s=36
